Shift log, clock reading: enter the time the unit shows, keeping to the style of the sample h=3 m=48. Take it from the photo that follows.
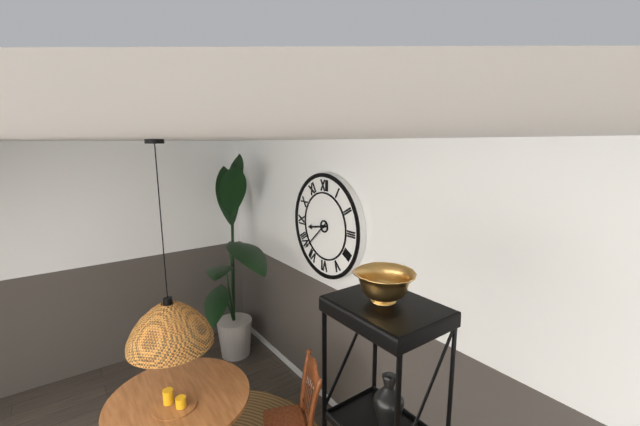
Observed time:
h=8 m=38
